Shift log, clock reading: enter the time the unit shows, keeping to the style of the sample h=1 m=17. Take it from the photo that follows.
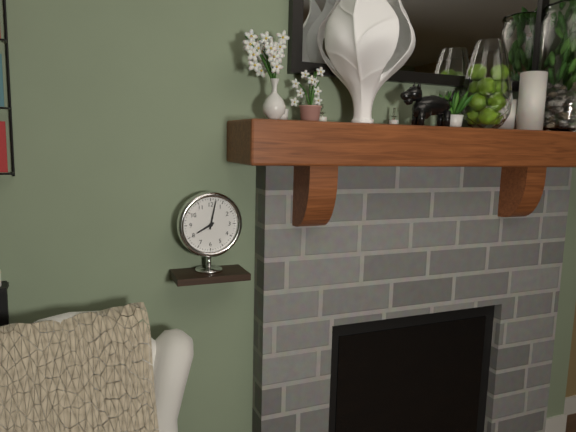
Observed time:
h=8 m=2
